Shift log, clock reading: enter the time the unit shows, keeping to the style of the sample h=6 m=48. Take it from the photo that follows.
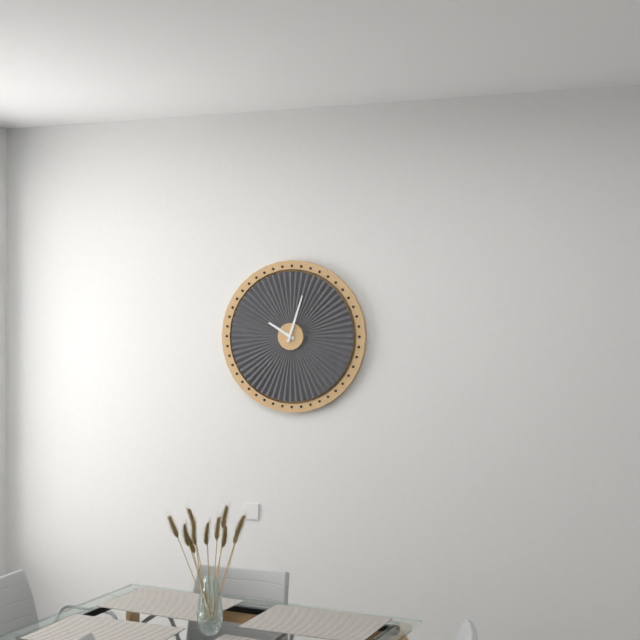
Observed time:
h=10 m=3
